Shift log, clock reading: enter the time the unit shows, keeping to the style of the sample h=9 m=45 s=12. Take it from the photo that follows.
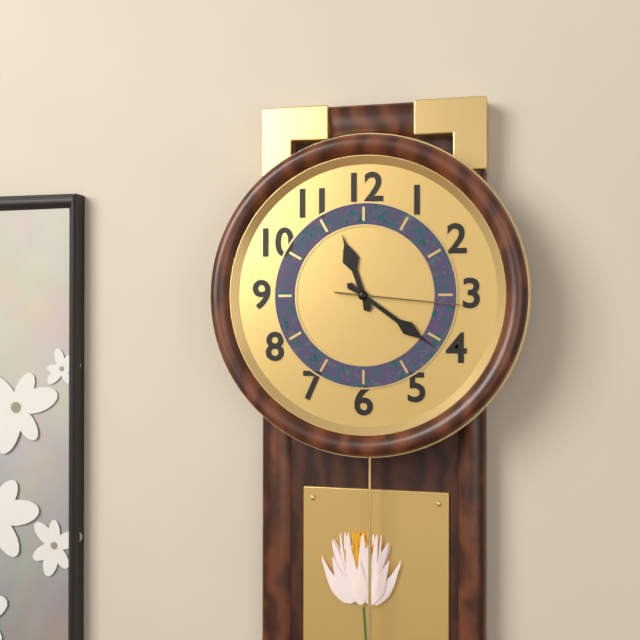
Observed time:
h=11 m=21 s=16
